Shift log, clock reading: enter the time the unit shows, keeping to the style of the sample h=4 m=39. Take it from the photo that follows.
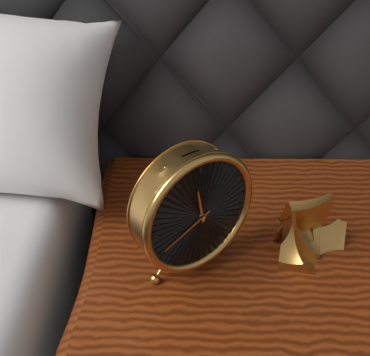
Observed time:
h=11 m=41
